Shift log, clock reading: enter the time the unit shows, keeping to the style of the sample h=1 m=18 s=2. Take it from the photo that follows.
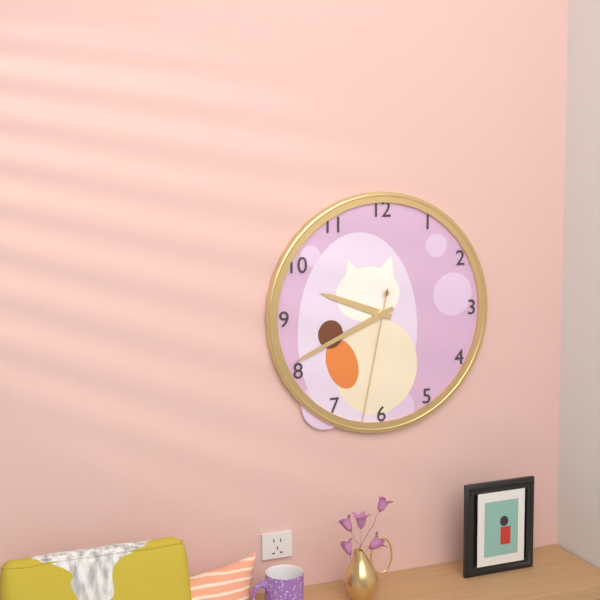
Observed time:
h=9 m=41 s=32
